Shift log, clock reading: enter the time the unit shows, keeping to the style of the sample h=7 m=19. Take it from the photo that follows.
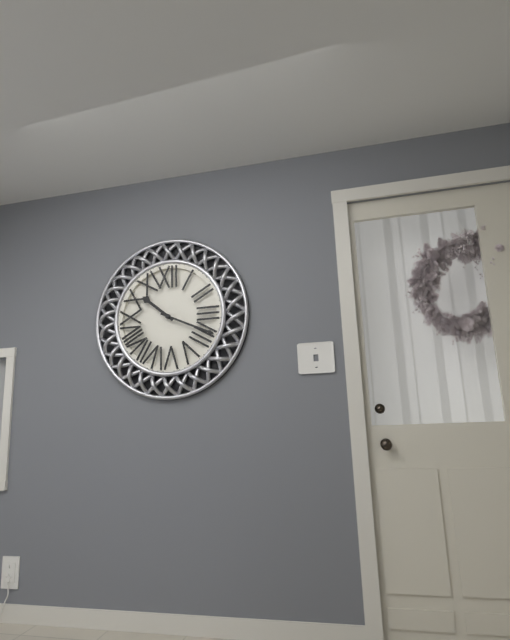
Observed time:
h=10 m=19
